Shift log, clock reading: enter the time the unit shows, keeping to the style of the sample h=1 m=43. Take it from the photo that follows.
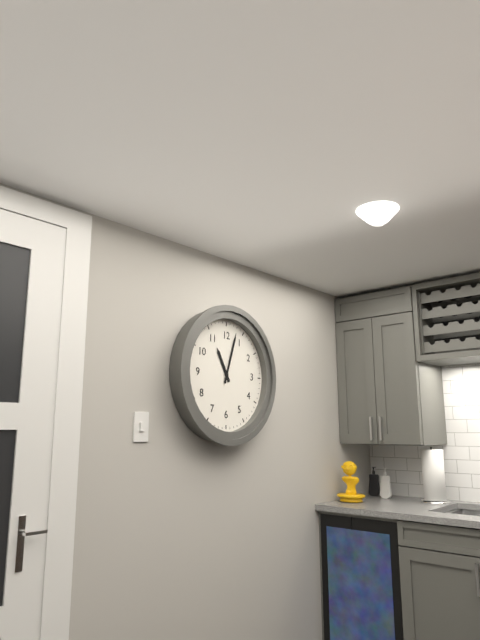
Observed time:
h=11 m=3
